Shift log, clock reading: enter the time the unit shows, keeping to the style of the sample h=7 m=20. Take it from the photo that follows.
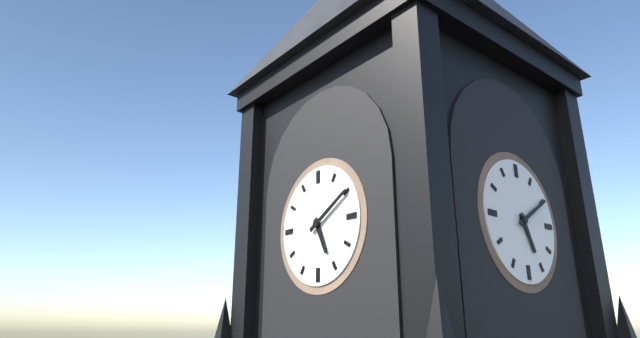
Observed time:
h=5 m=10
